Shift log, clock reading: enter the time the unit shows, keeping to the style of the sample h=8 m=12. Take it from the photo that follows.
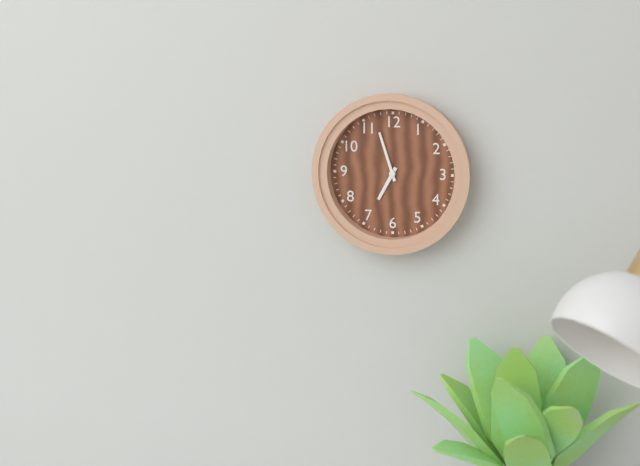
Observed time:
h=6 m=57
